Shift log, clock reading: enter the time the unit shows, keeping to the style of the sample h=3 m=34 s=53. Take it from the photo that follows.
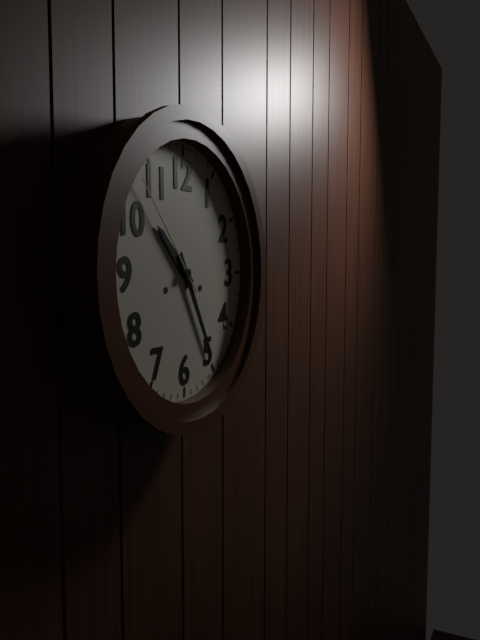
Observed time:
h=10 m=25 s=53
